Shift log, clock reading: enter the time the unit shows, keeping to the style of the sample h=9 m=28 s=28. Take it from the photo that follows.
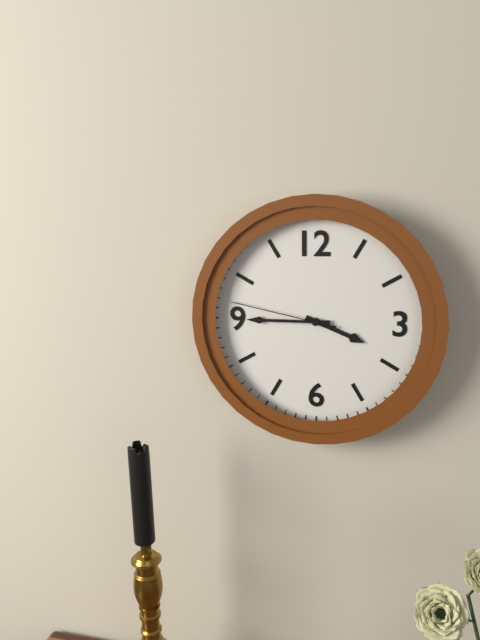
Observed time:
h=3 m=45 s=47
